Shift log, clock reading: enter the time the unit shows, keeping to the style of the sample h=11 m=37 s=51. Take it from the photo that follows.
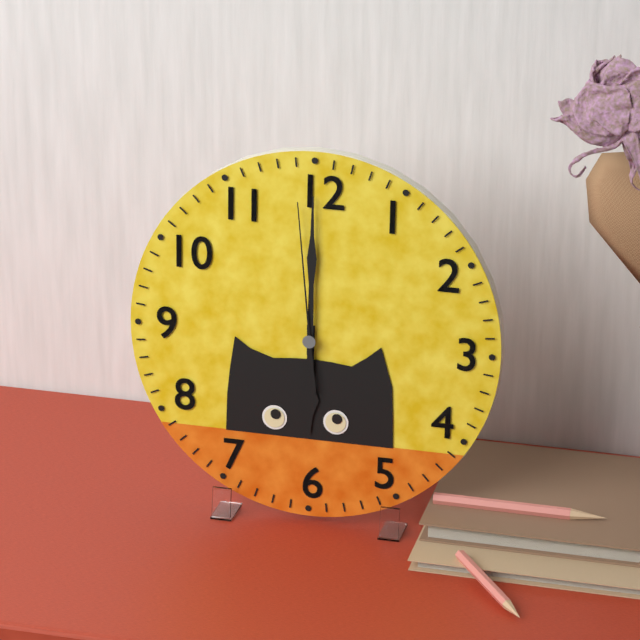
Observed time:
h=6 m=0 s=59
